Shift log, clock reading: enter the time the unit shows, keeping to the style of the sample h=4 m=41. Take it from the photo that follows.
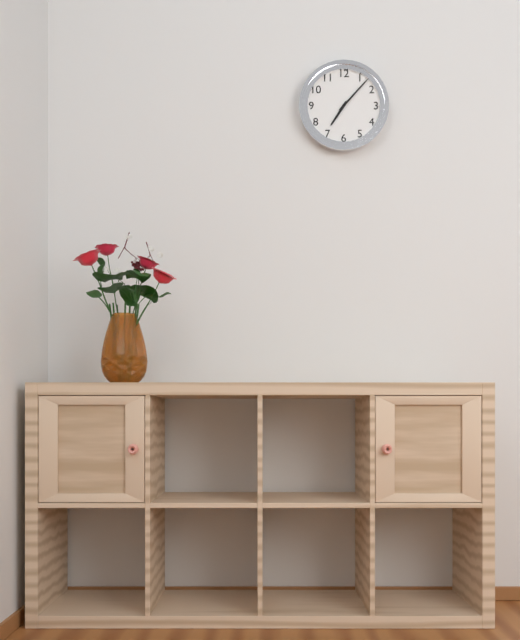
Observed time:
h=7 m=7
